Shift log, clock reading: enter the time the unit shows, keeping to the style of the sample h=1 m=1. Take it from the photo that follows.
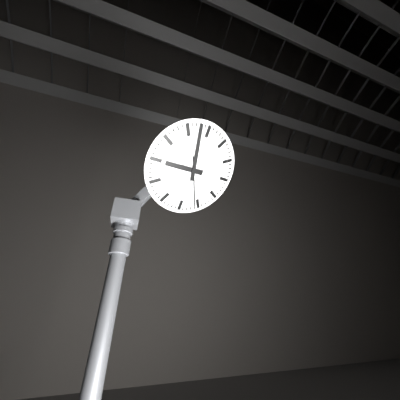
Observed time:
h=8 m=58
